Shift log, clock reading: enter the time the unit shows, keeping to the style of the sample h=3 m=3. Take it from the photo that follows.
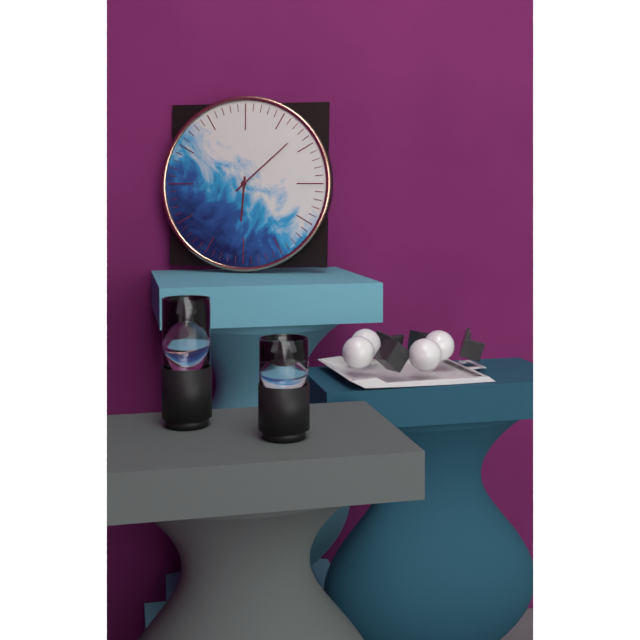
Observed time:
h=6 m=8
